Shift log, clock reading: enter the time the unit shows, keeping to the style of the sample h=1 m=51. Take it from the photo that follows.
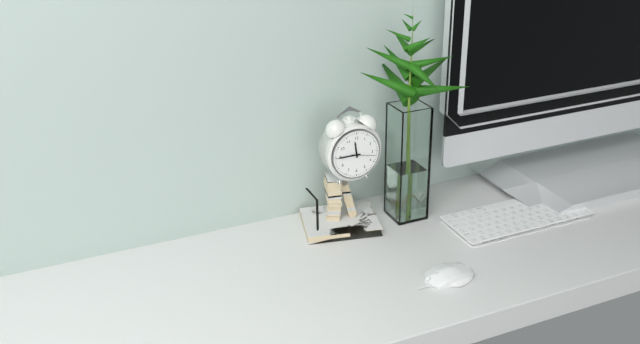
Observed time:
h=11 m=45
